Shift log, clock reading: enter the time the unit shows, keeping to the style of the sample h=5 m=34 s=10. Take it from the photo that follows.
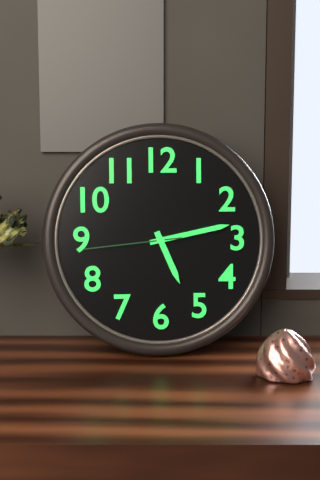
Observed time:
h=5 m=13 s=44
